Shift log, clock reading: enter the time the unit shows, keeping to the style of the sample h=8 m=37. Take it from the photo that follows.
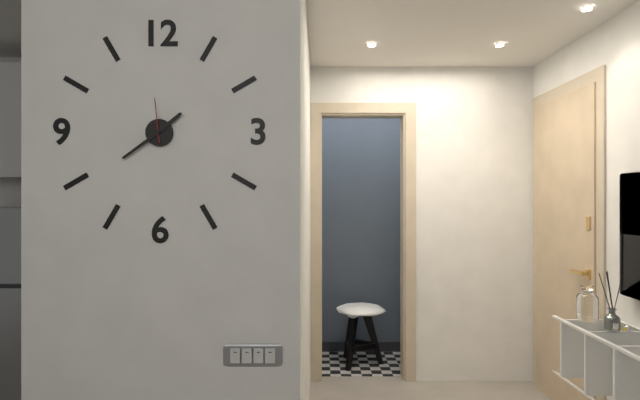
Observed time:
h=1 m=39
